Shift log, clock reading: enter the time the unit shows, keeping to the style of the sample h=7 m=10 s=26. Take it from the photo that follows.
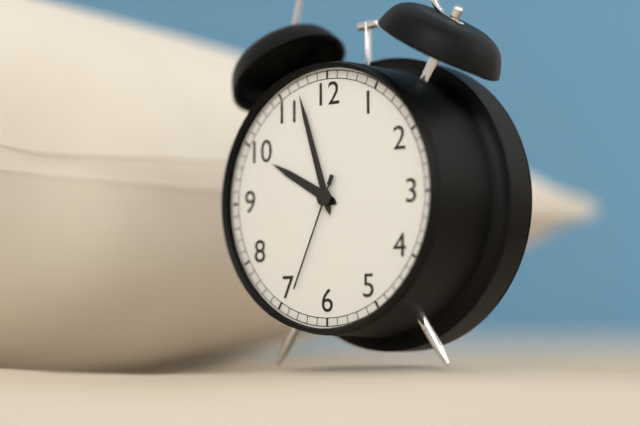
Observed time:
h=9 m=57 s=34
